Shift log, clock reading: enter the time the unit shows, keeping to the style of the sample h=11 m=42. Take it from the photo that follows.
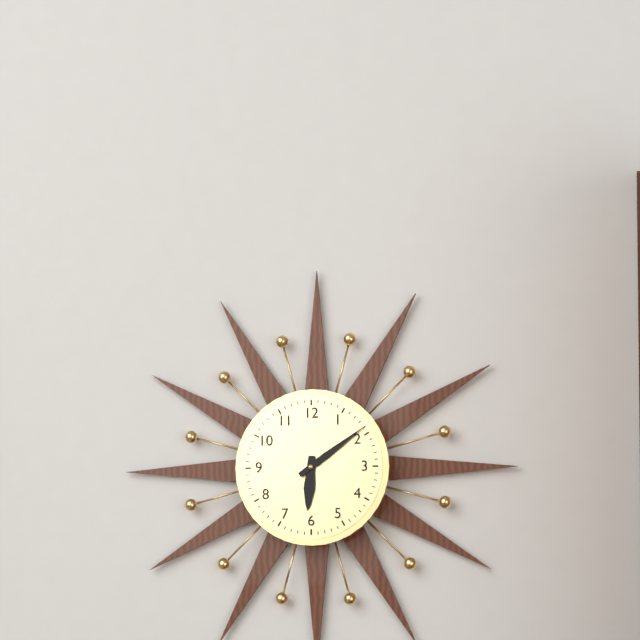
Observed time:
h=6 m=9
